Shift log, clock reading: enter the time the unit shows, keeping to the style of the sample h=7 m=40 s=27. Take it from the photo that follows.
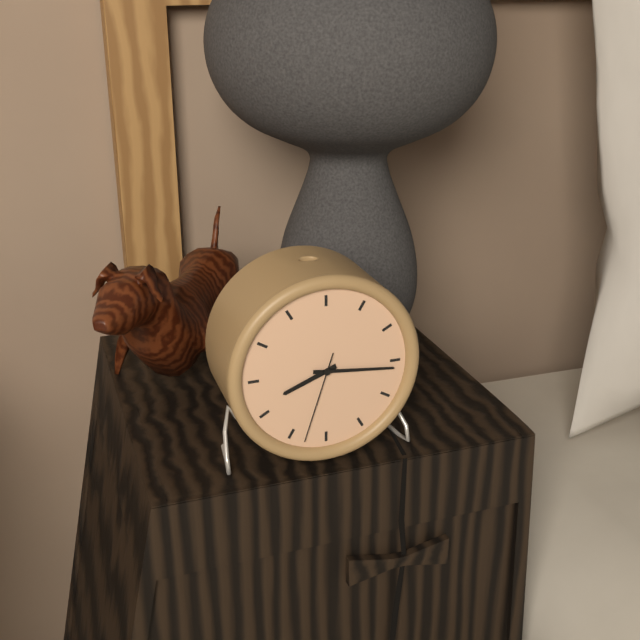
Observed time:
h=8 m=16 s=33
